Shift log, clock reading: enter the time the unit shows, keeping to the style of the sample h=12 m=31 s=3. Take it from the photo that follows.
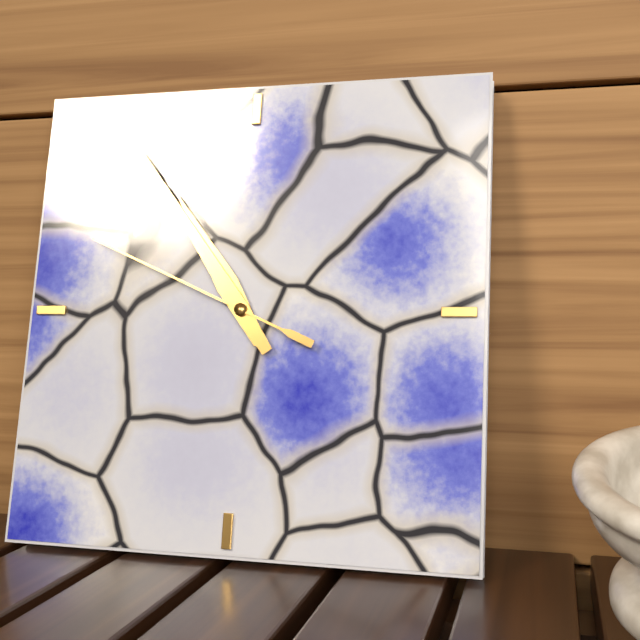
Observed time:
h=10 m=54 s=49
